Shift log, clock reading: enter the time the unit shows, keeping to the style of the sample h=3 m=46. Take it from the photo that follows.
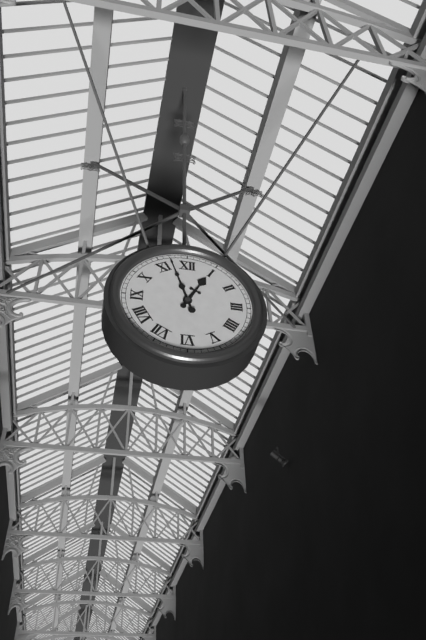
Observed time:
h=12 m=57
